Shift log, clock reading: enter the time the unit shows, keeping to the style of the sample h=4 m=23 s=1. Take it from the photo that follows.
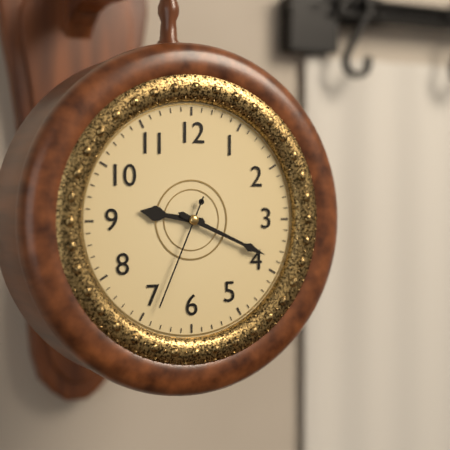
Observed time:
h=9 m=19 s=34
